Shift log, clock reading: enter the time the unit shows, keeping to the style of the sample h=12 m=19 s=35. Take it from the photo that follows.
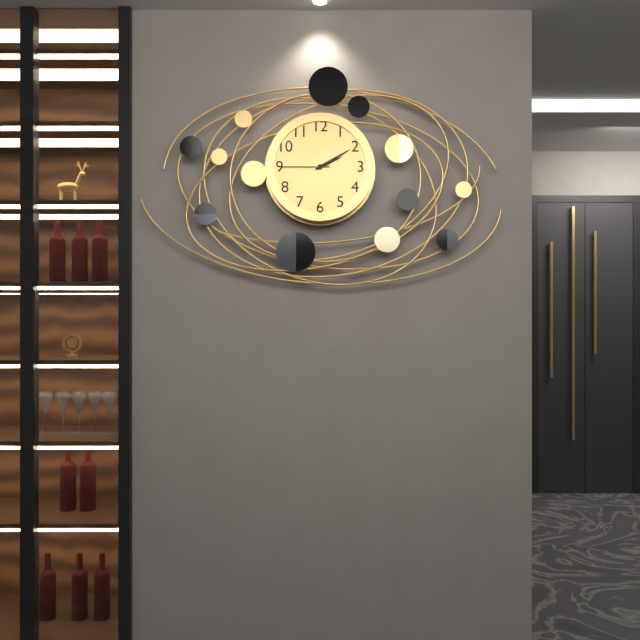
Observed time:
h=2 m=10 s=45
